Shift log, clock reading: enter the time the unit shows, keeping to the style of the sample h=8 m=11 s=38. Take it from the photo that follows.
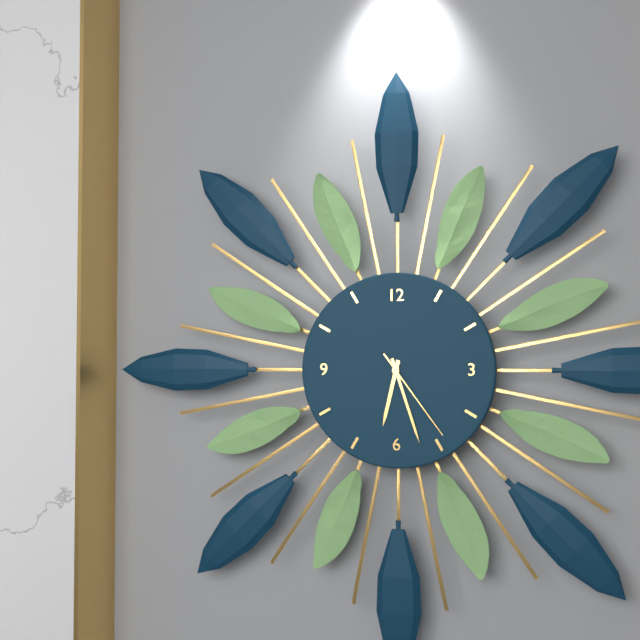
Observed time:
h=6 m=27 s=24
